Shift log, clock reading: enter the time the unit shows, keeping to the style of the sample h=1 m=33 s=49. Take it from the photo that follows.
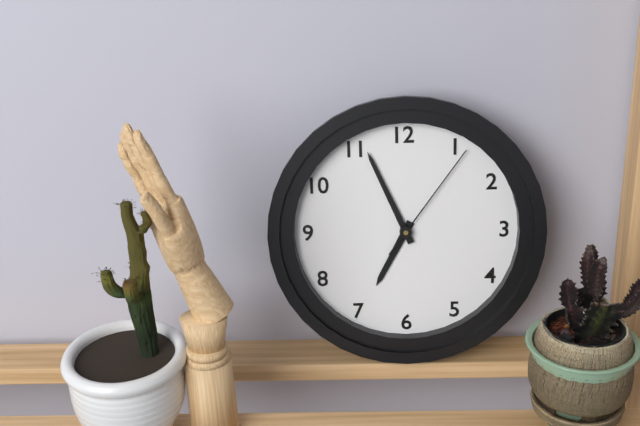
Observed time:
h=6 m=56 s=6
